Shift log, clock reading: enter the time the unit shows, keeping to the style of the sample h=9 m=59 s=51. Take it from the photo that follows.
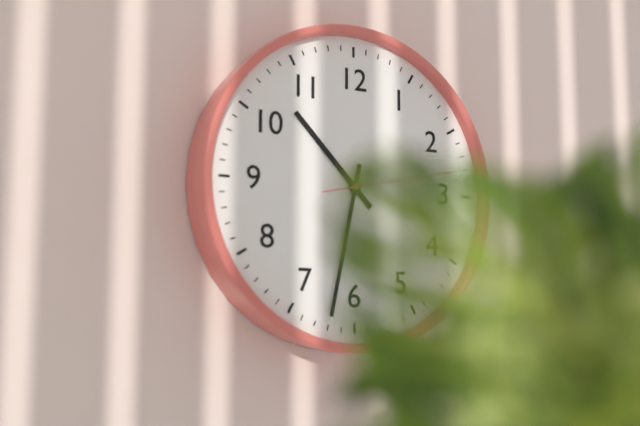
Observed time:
h=10 m=32 s=13
